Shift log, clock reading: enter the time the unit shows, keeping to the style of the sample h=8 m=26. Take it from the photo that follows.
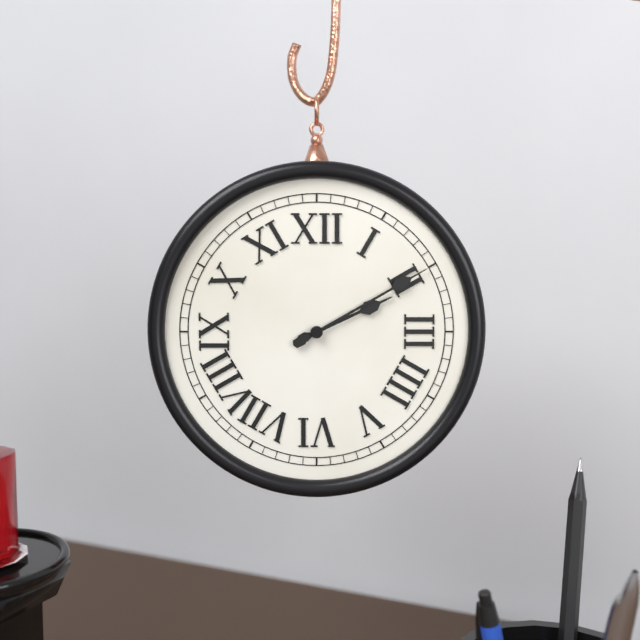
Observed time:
h=2 m=10
